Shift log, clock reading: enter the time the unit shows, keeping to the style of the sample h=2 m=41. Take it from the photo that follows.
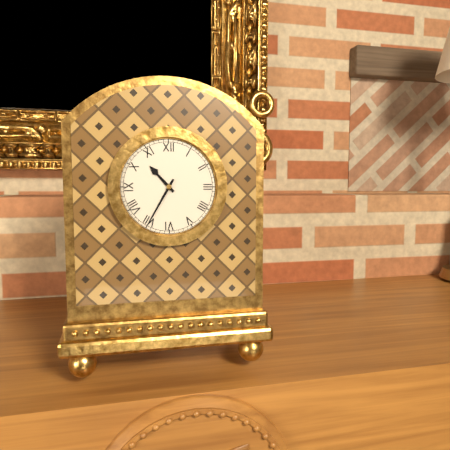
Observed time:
h=10 m=35
